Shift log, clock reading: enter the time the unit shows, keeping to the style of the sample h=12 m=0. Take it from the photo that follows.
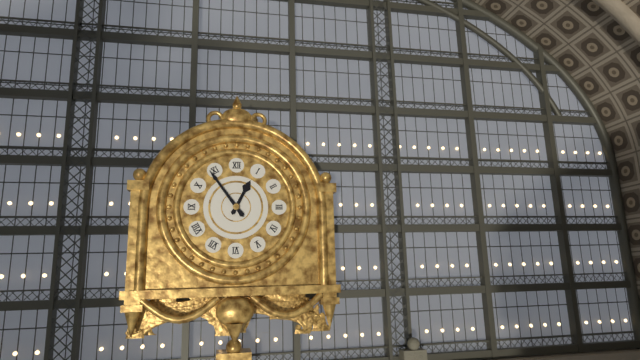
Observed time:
h=12 m=54
